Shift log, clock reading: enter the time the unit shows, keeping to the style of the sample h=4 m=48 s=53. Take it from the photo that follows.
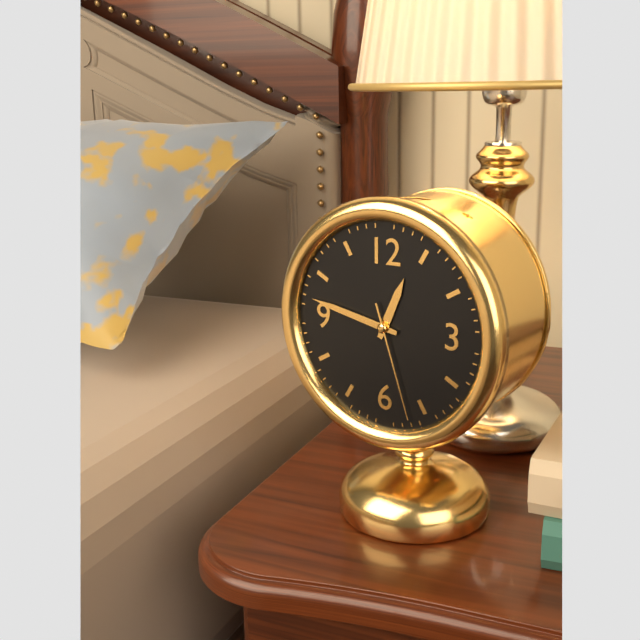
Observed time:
h=12 m=47 s=27
